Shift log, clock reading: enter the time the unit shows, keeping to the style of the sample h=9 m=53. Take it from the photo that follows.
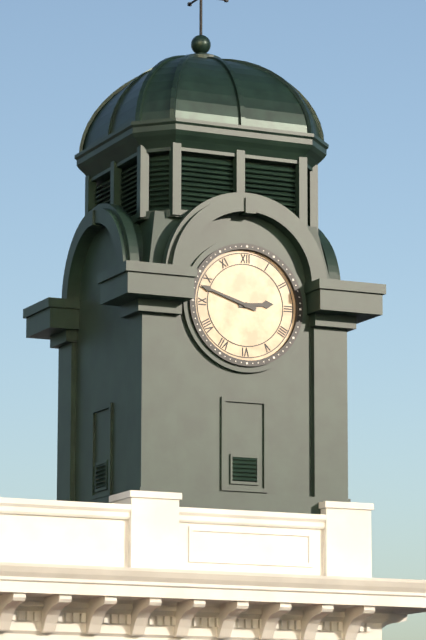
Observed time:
h=2 m=48
